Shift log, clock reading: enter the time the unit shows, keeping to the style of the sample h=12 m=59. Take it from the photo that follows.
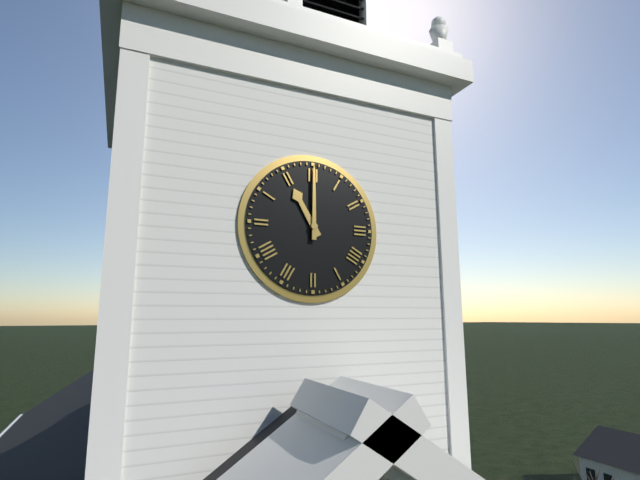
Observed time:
h=11 m=0
